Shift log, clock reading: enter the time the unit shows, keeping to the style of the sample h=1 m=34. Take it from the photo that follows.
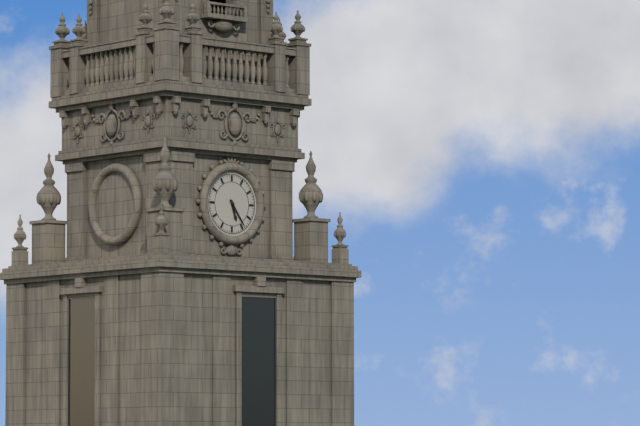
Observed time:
h=5 m=24
